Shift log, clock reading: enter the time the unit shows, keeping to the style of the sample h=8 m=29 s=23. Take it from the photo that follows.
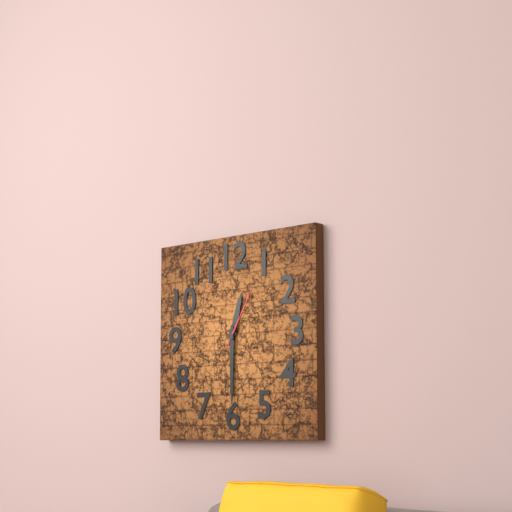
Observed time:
h=12 m=30 s=5
